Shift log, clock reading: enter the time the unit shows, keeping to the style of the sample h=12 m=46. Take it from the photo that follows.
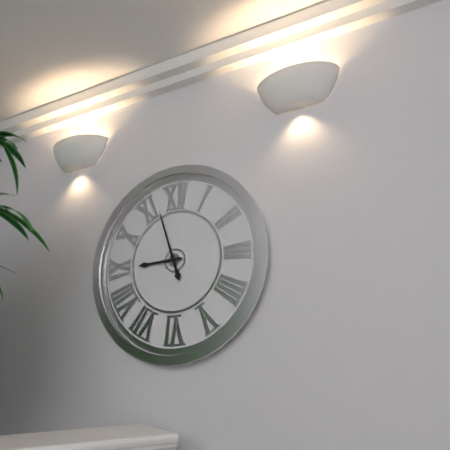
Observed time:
h=8 m=57
